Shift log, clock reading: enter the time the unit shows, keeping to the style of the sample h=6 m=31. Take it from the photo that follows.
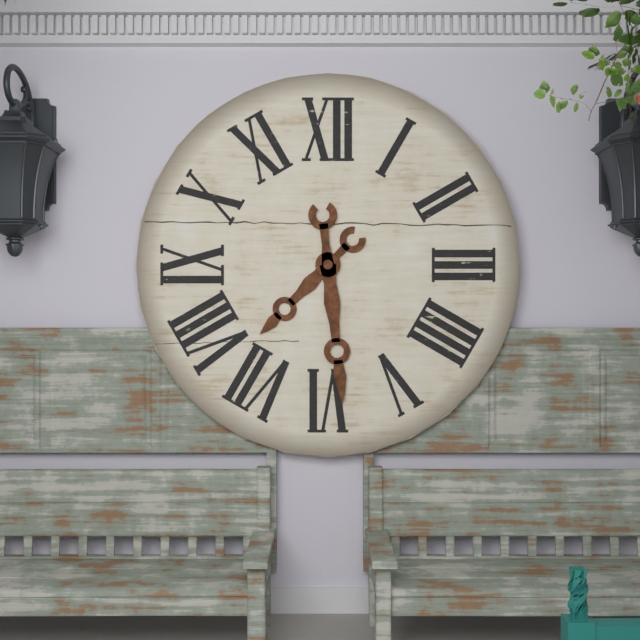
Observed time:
h=7 m=29
